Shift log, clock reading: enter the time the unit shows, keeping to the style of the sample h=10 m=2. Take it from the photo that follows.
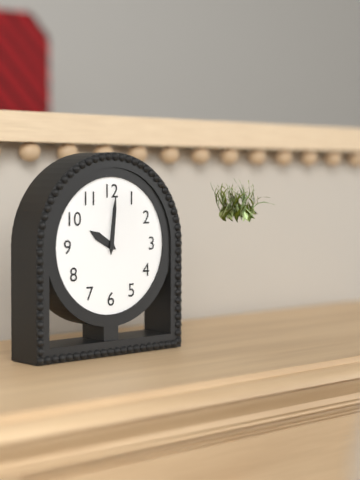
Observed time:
h=10 m=1
